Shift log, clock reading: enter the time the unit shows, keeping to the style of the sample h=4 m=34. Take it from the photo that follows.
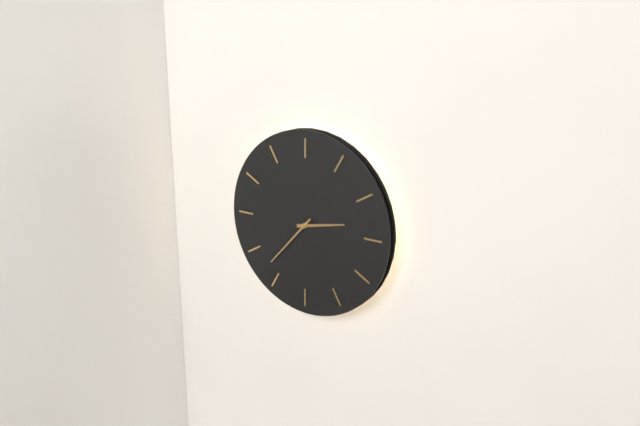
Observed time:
h=2 m=37
